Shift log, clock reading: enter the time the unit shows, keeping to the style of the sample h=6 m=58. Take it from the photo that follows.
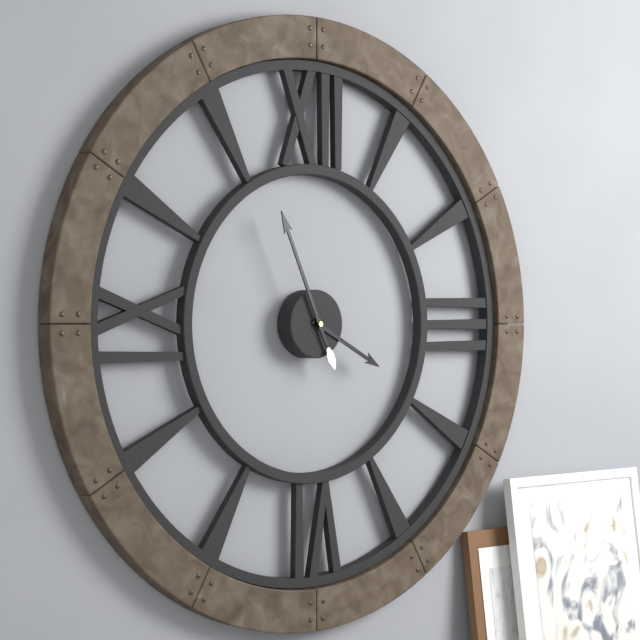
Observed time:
h=3 m=56
